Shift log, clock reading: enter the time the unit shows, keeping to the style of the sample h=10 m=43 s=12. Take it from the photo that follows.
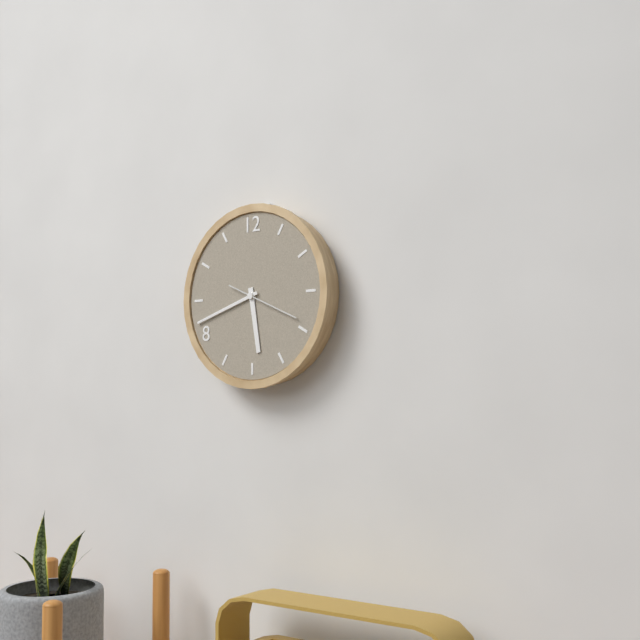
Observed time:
h=5 m=42 s=19
